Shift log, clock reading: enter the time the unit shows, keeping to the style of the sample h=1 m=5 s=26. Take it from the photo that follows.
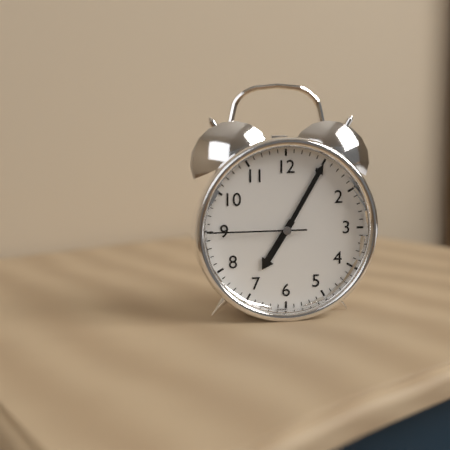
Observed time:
h=7 m=5 s=45
